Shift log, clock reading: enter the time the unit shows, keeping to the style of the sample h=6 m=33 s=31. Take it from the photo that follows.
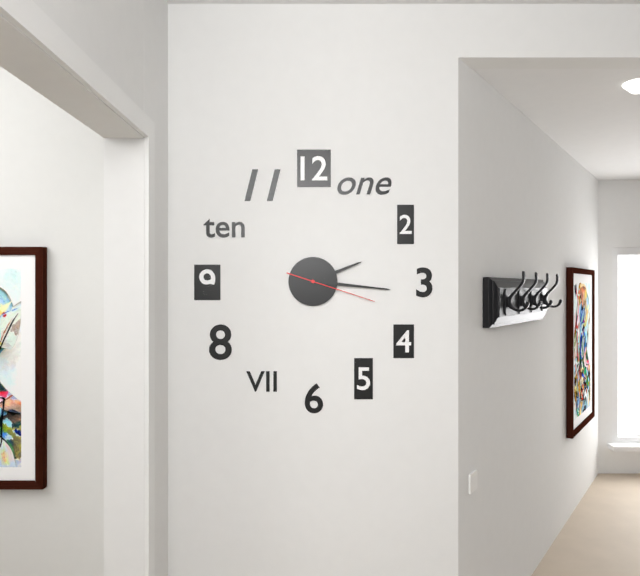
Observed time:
h=2 m=16 s=18
